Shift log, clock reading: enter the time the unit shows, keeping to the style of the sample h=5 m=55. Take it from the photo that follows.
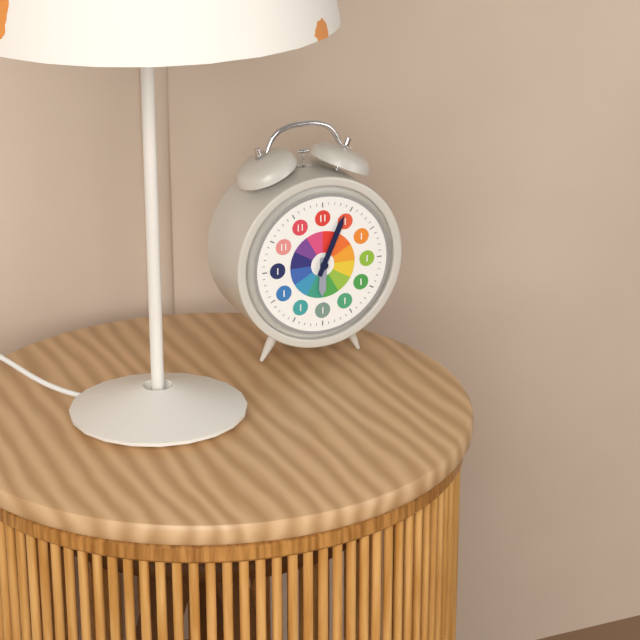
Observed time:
h=6 m=4
